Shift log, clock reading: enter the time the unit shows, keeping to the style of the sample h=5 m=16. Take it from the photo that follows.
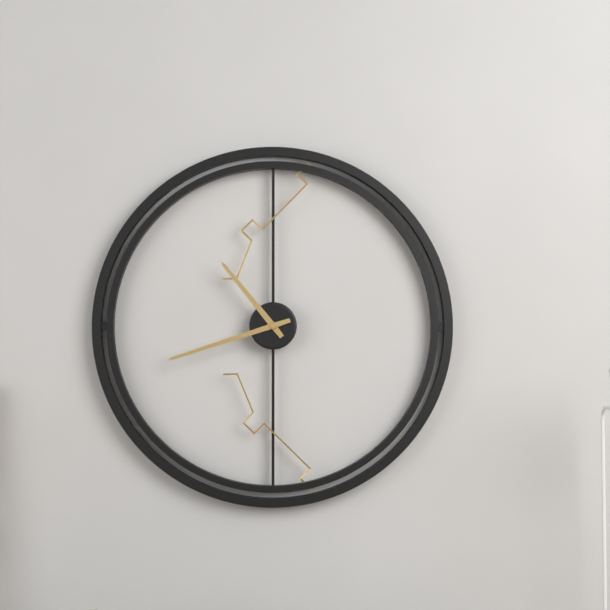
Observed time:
h=10 m=42
